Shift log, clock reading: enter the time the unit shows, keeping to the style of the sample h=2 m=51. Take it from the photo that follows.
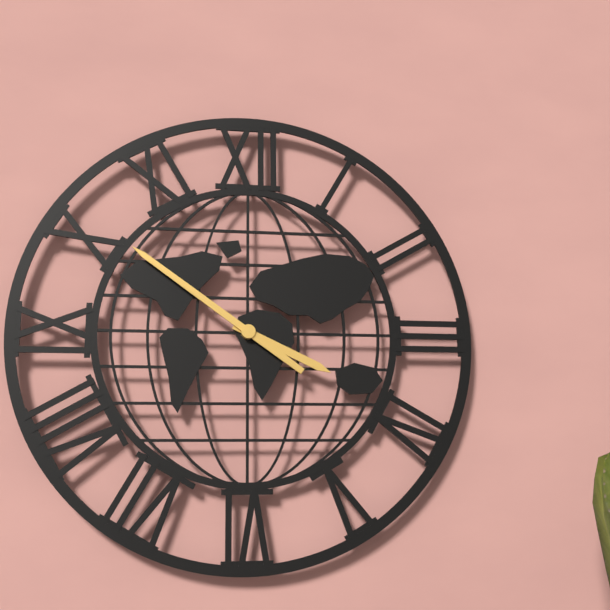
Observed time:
h=3 m=51
